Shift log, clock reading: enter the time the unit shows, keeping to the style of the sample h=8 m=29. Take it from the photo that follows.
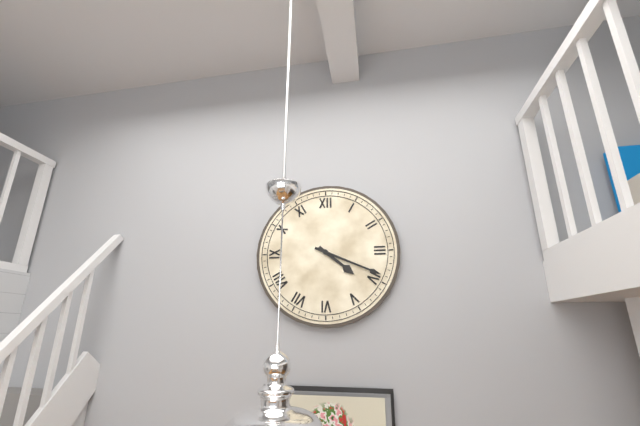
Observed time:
h=4 m=19
